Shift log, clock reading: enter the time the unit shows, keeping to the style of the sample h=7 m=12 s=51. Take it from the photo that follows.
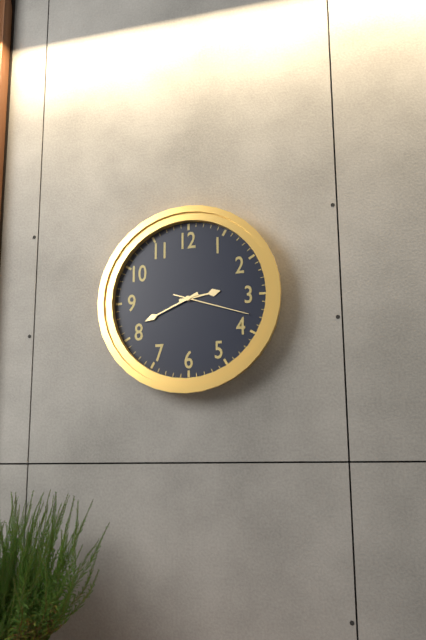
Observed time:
h=2 m=41 s=18
